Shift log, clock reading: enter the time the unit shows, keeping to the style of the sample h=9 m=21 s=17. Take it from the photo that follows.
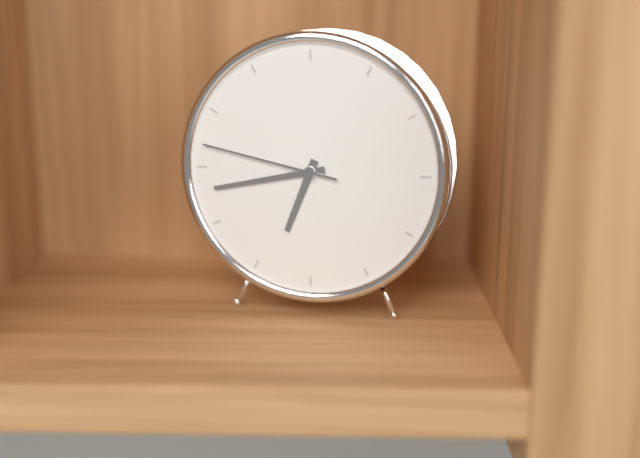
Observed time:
h=6 m=43 s=47
